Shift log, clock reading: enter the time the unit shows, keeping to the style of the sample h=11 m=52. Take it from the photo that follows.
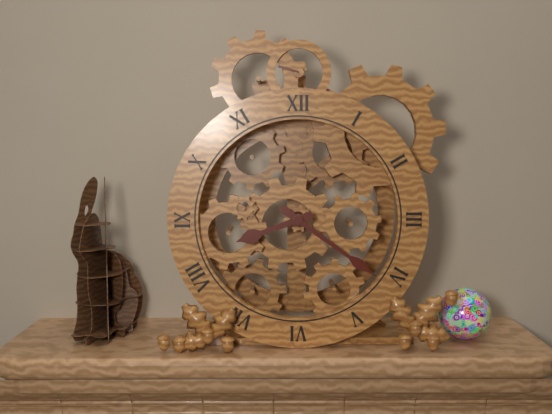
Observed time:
h=8 m=21
